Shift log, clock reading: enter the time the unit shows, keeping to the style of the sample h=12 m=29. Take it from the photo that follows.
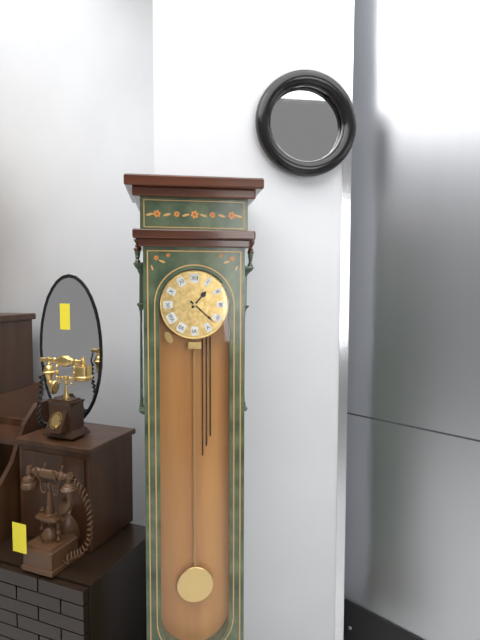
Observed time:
h=1 m=22
